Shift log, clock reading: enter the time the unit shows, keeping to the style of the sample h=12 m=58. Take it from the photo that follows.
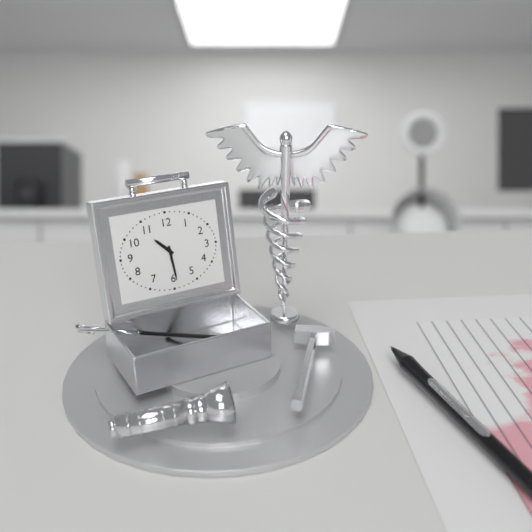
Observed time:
h=10 m=29
